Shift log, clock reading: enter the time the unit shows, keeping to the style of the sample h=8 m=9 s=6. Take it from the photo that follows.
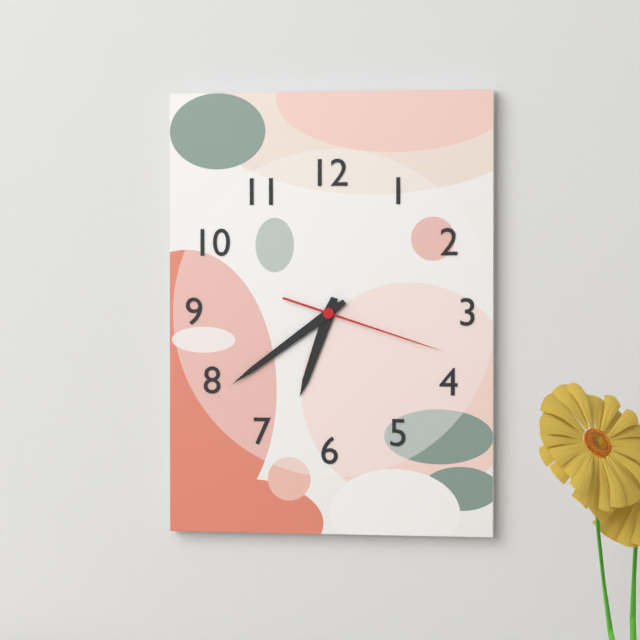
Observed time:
h=6 m=39 s=18
